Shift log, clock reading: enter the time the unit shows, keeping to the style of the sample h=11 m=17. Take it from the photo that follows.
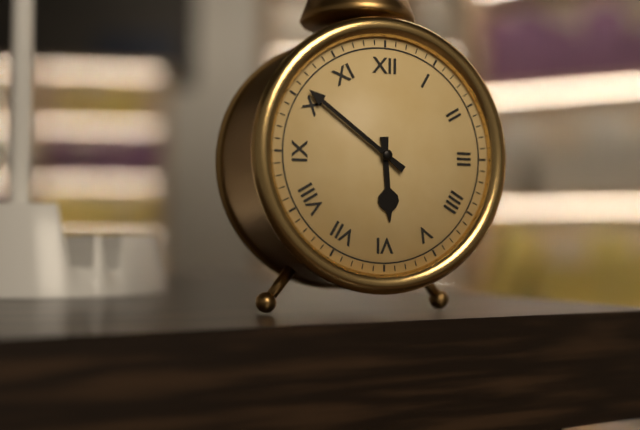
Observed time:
h=5 m=51
